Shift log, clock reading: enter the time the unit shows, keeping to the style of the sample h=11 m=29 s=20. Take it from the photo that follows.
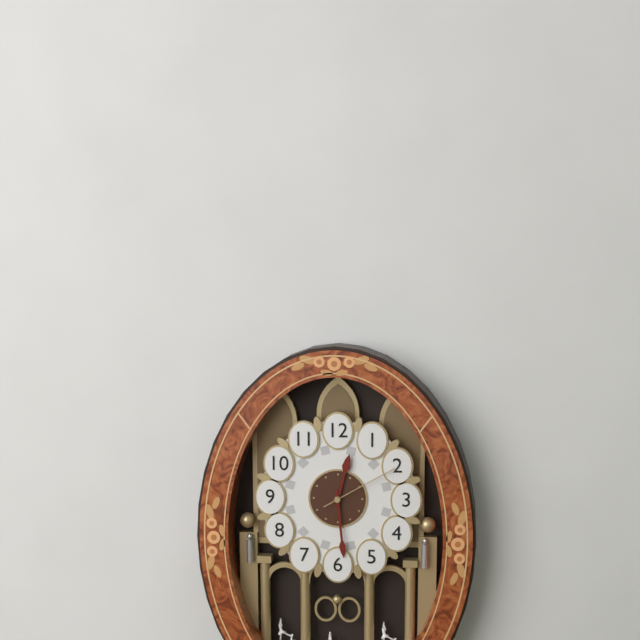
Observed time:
h=12 m=29 s=10
